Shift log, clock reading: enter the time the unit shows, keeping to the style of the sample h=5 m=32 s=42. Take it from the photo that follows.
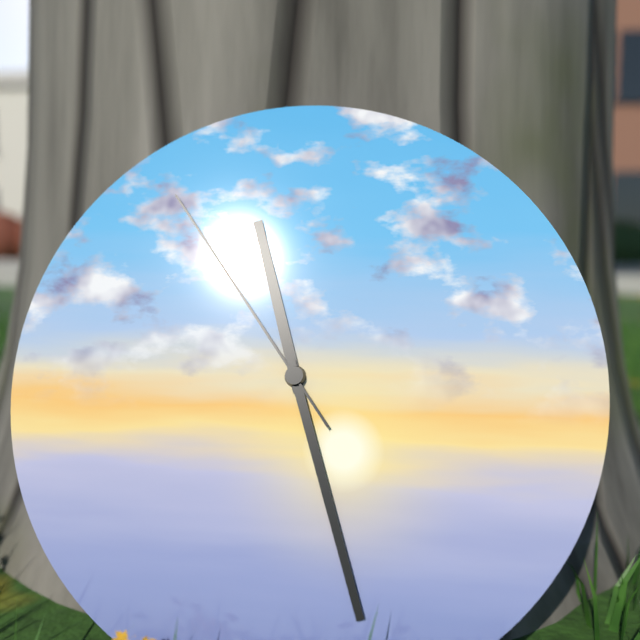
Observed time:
h=11 m=27 s=54
